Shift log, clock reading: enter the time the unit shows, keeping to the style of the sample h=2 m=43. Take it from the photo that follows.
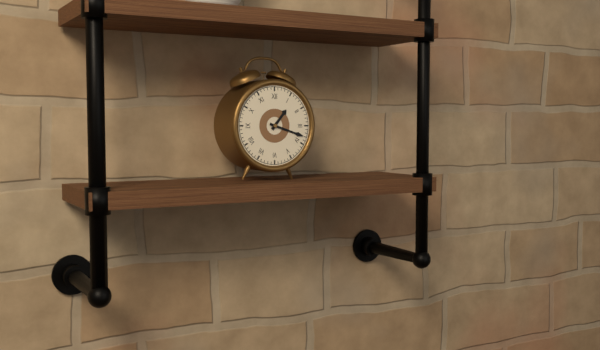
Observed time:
h=1 m=18
